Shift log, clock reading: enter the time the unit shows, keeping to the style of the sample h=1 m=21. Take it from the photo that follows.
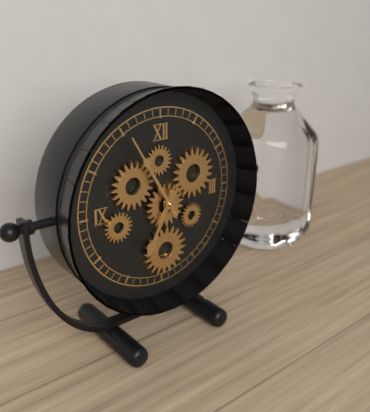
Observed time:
h=6 m=55
